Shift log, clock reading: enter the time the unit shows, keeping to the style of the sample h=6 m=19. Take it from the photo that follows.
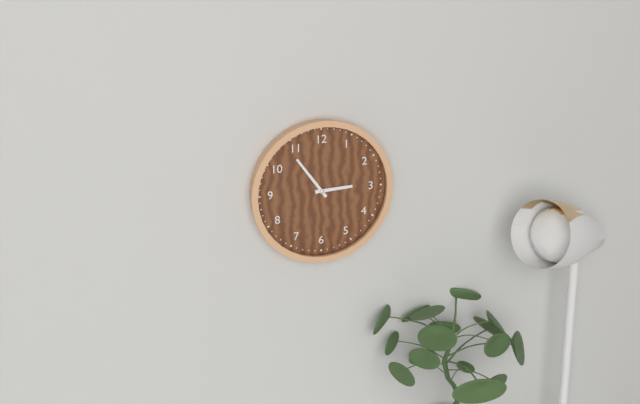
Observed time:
h=2 m=54
